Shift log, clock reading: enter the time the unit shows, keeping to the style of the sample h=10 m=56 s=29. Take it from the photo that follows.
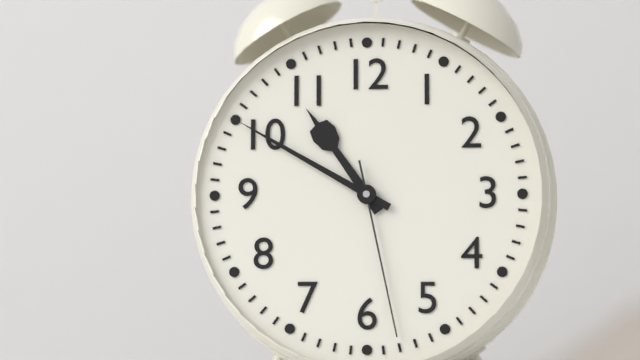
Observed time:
h=10 m=50 s=28
